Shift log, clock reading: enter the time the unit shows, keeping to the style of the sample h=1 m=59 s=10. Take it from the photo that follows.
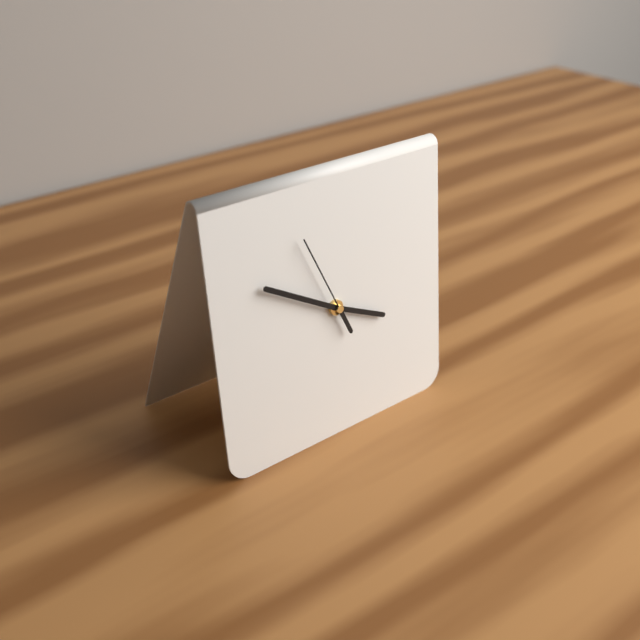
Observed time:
h=3 m=50 s=56
